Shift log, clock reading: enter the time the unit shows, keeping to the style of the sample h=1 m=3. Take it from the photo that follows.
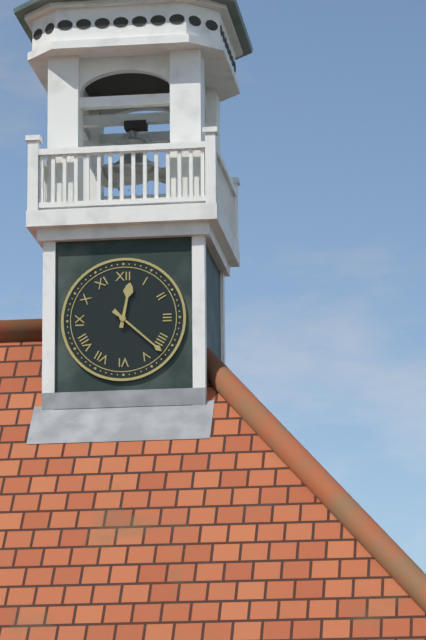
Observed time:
h=12 m=22
